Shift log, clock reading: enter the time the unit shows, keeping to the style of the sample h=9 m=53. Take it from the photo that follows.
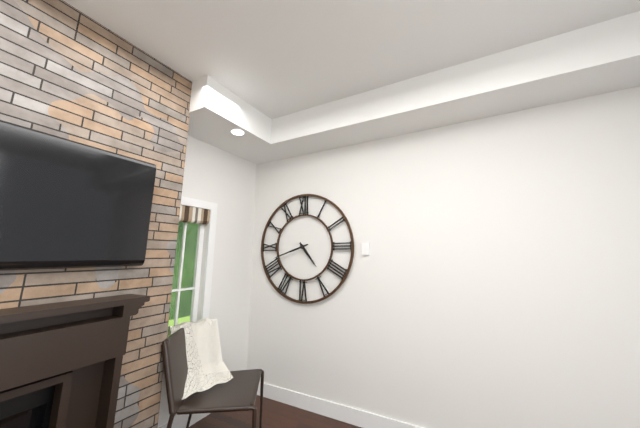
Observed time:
h=4 m=42
